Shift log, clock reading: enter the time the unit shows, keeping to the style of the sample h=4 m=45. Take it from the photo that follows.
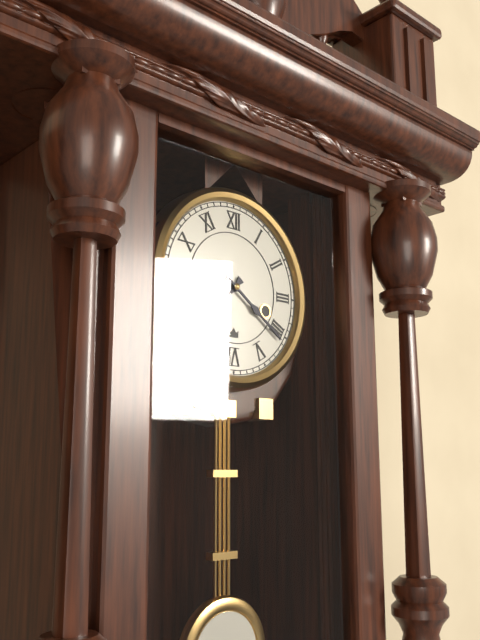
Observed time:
h=7 m=21
